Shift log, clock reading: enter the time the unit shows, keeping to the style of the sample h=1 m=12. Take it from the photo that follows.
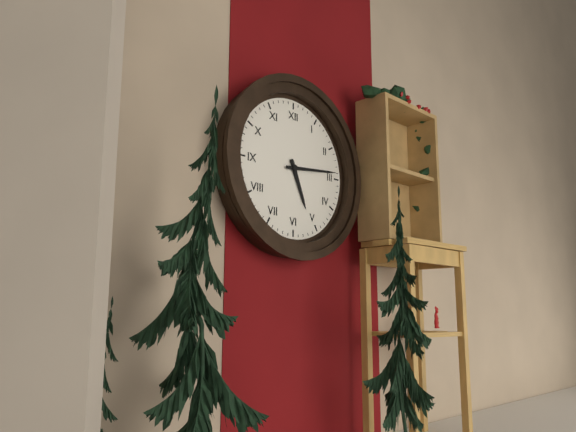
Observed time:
h=5 m=14
